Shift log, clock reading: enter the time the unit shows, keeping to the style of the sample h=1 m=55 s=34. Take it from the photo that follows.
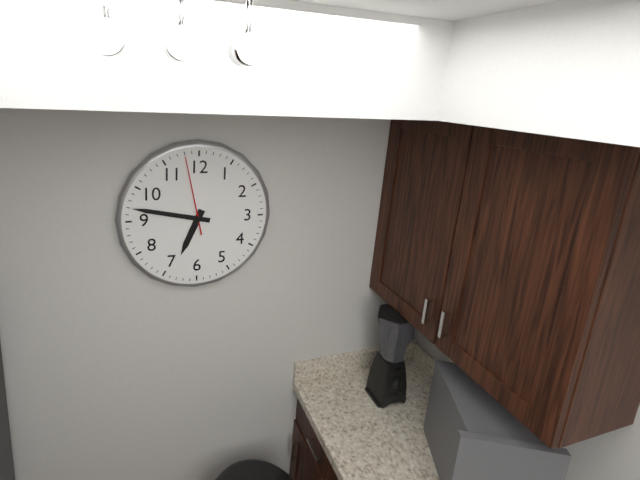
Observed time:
h=6 m=47 s=58
